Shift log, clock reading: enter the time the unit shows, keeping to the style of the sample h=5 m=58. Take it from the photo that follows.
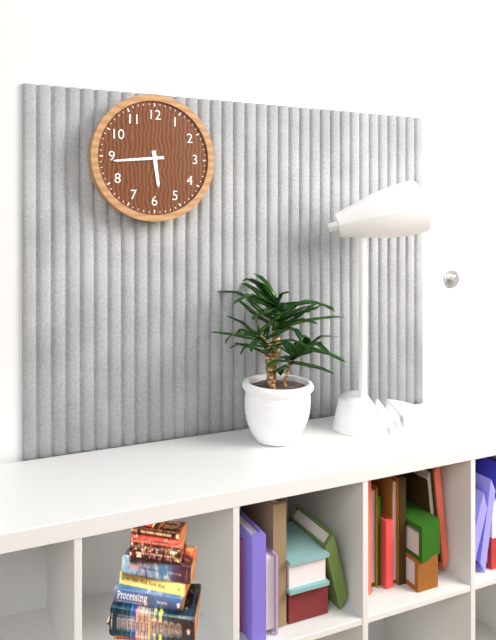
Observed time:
h=5 m=44
